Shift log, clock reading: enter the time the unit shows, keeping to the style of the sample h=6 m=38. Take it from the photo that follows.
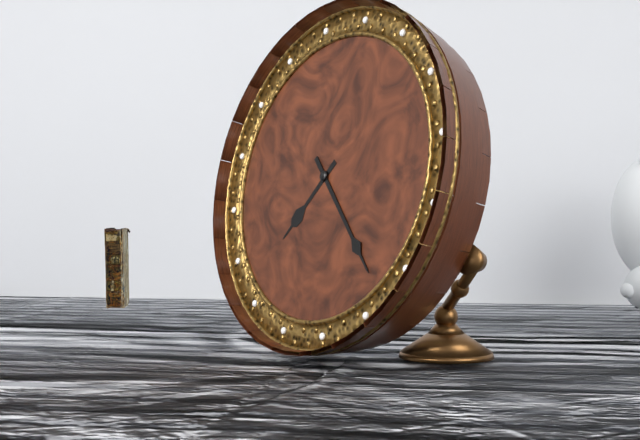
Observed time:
h=7 m=23
